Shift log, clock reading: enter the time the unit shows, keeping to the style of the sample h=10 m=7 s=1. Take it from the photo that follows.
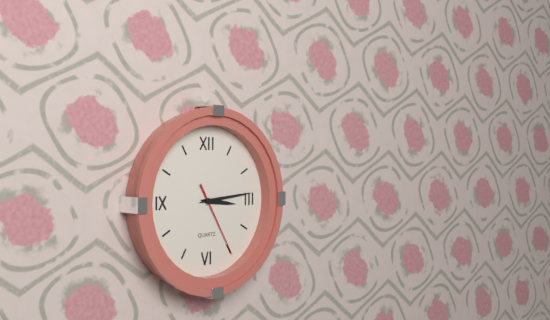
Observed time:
h=3 m=14 s=25
